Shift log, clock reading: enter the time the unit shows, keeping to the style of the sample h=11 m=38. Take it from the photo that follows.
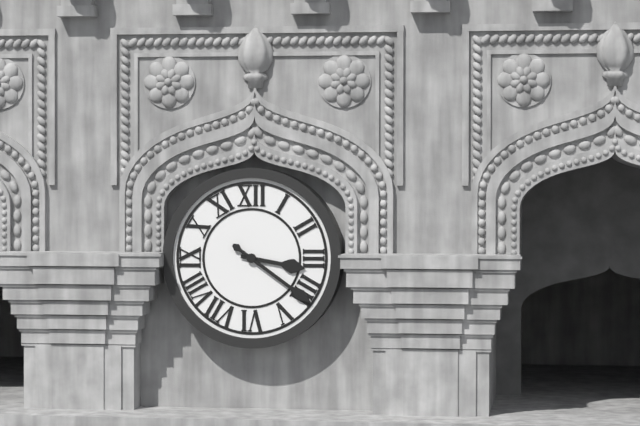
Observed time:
h=3 m=21
